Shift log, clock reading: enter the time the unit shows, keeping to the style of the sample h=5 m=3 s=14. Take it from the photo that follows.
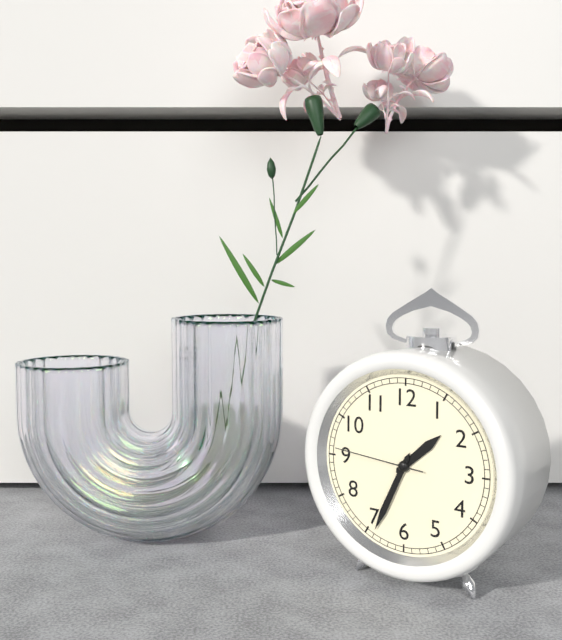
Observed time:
h=1 m=34 s=46
